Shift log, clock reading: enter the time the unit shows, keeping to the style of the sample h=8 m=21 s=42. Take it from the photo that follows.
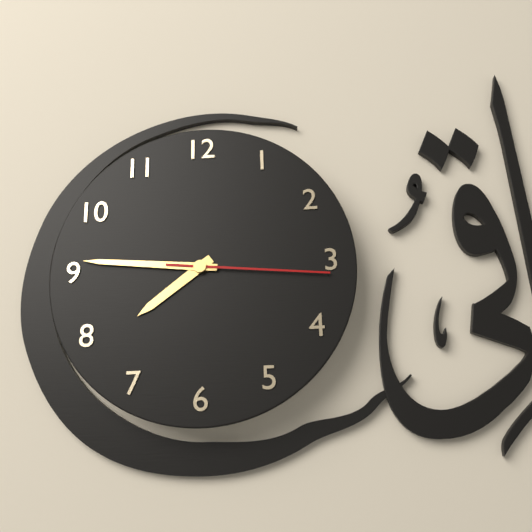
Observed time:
h=7 m=46 s=16
